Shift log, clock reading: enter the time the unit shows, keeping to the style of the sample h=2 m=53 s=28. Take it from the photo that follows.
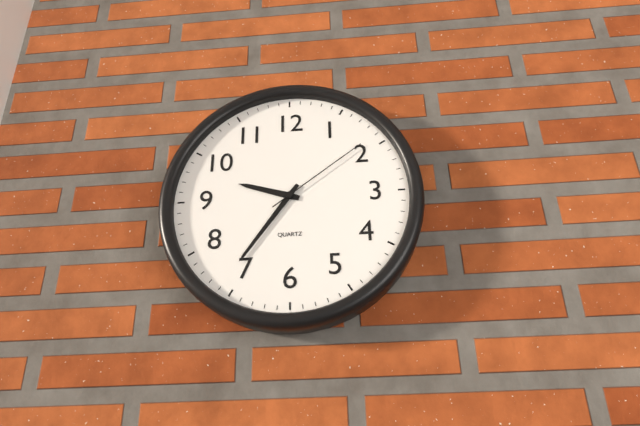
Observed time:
h=9 m=36 s=9
